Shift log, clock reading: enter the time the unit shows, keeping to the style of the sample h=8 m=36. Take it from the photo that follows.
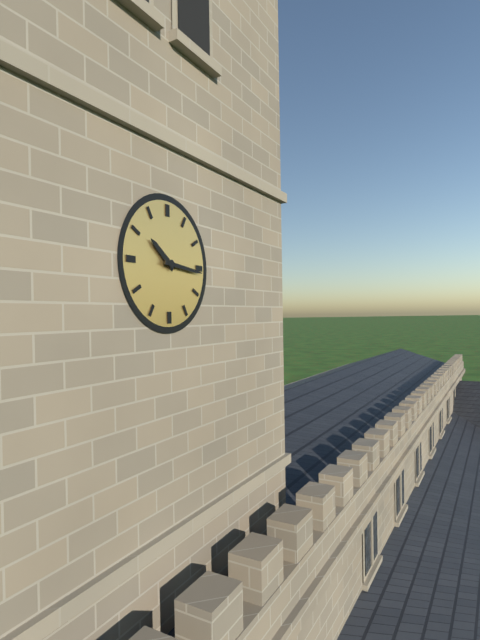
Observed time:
h=10 m=16
